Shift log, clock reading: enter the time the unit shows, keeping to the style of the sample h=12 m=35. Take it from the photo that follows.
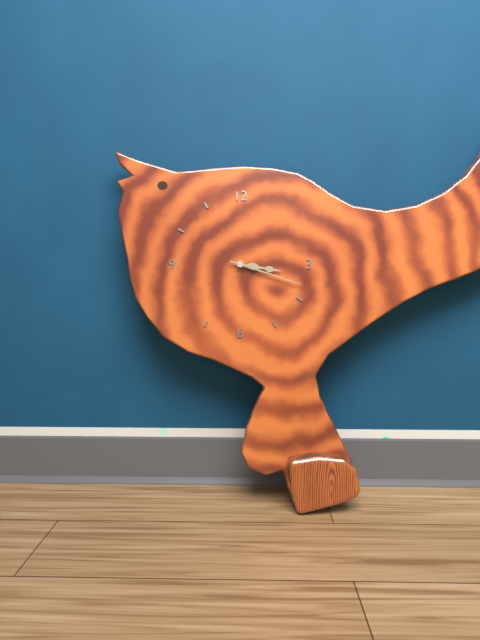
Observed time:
h=3 m=18
